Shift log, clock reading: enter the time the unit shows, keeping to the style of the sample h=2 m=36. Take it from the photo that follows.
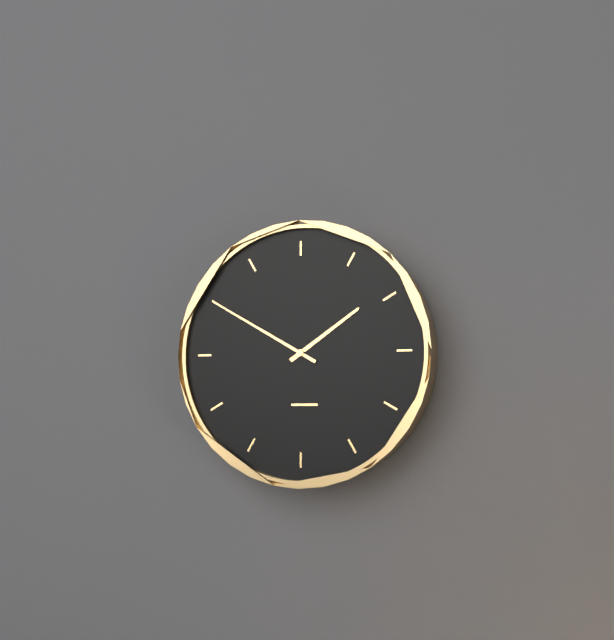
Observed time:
h=1 m=50
